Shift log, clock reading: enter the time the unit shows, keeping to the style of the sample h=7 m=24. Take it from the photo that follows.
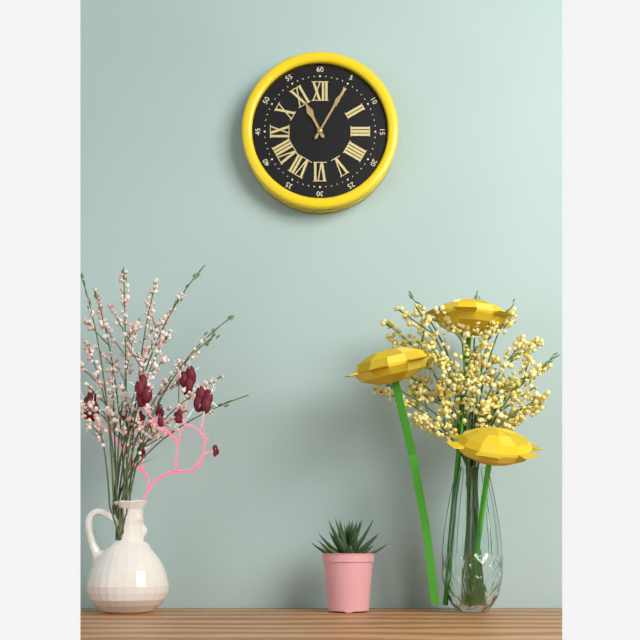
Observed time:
h=11 m=5
